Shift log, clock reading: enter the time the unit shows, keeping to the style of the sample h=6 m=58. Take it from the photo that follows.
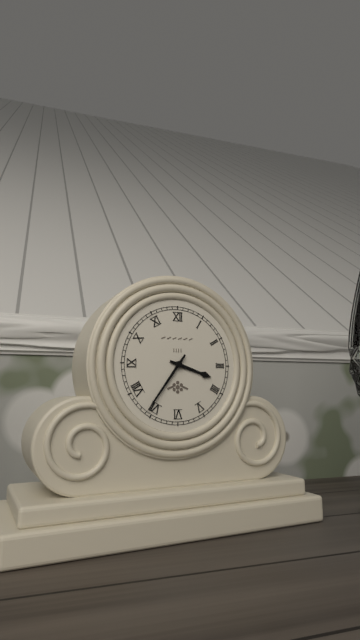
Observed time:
h=3 m=36
